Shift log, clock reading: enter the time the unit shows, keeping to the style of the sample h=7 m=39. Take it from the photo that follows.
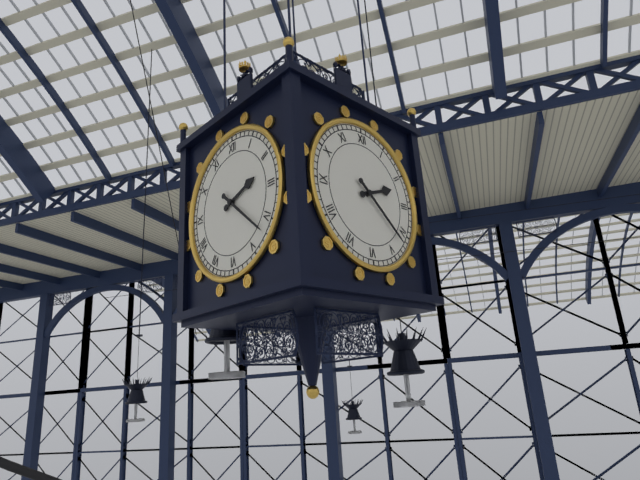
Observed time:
h=2 m=22
